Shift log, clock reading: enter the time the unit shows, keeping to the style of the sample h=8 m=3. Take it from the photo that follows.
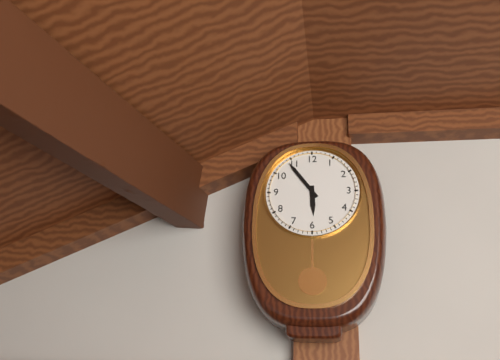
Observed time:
h=5 m=54
